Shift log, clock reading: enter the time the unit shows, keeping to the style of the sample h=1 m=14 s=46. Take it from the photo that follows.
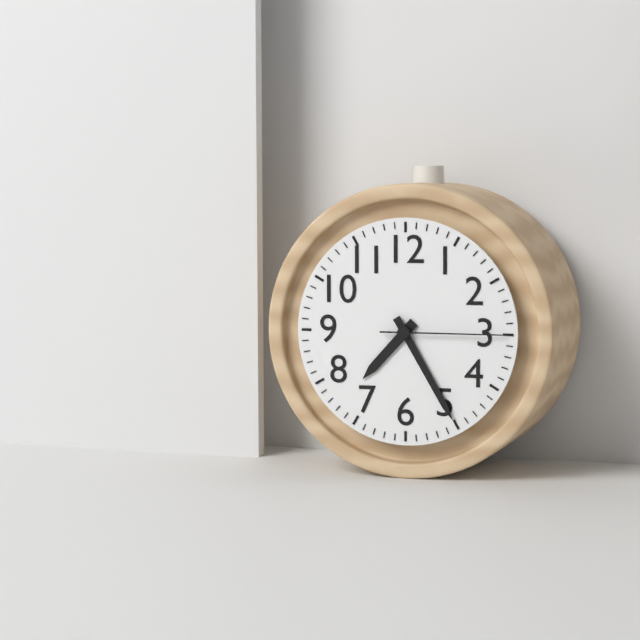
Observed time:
h=7 m=25 s=15
